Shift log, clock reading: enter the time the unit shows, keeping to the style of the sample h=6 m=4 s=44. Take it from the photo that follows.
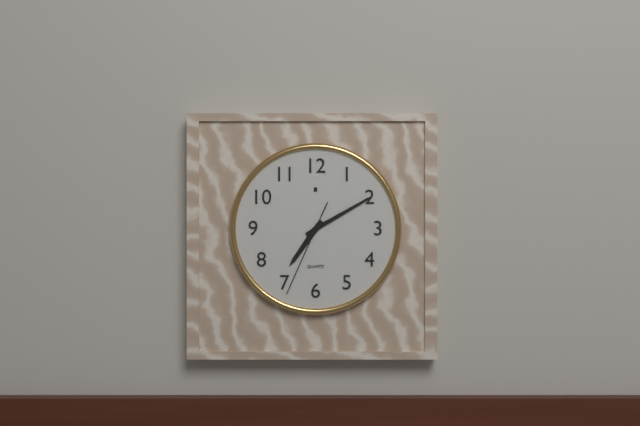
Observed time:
h=7 m=10 s=34
